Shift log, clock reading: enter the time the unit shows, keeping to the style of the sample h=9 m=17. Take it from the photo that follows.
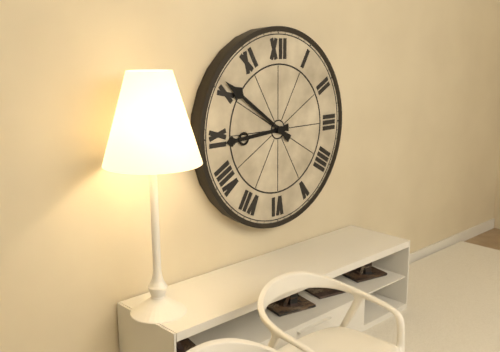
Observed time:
h=8 m=51
